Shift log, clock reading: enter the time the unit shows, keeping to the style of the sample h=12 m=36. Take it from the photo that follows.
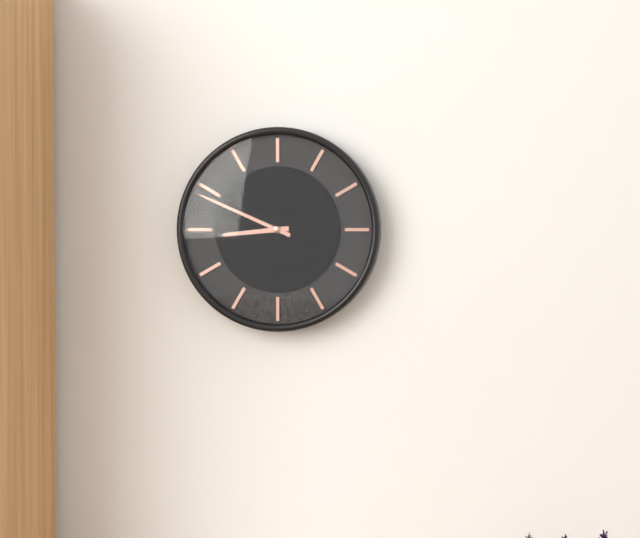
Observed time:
h=8 m=49
